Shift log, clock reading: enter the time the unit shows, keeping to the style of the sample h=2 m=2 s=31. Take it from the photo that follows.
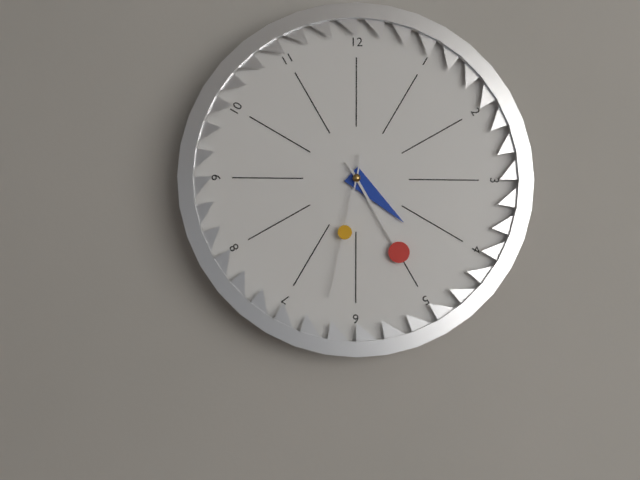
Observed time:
h=4 m=25 s=32
